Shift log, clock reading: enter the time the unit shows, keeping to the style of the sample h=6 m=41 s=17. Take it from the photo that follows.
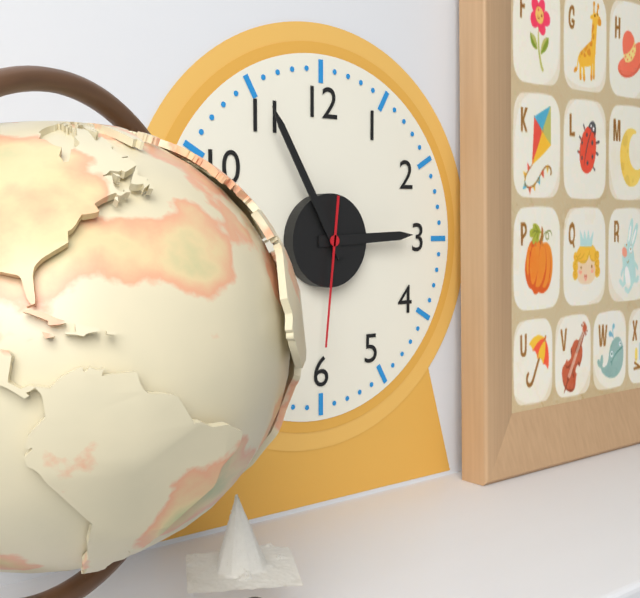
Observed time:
h=2 m=55 s=31
